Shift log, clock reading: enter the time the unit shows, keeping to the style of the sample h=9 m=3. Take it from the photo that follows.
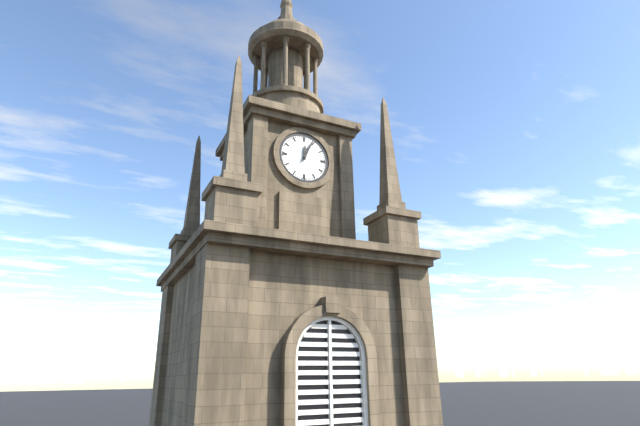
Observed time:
h=12 m=4
